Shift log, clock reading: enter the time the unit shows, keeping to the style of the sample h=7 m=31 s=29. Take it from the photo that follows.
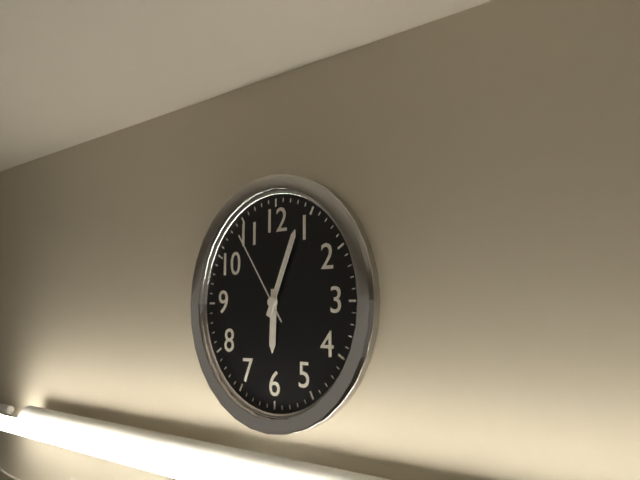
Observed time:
h=6 m=4 s=54
